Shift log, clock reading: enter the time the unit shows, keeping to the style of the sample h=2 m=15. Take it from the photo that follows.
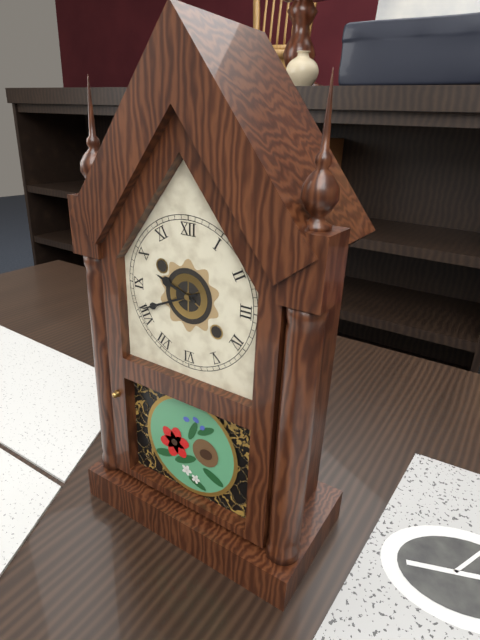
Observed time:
h=9 m=41
